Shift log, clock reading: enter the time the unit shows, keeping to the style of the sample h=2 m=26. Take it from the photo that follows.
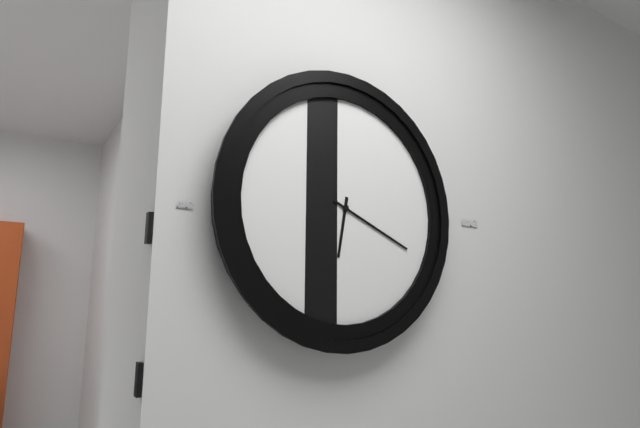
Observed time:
h=6 m=19
